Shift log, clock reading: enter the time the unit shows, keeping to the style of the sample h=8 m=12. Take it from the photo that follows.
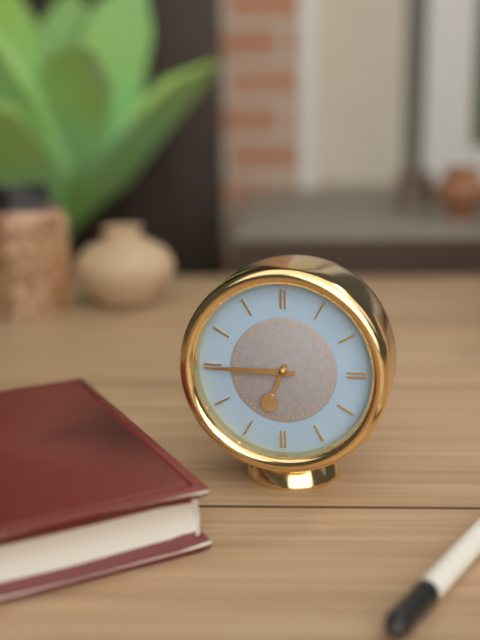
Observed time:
h=6 m=45
